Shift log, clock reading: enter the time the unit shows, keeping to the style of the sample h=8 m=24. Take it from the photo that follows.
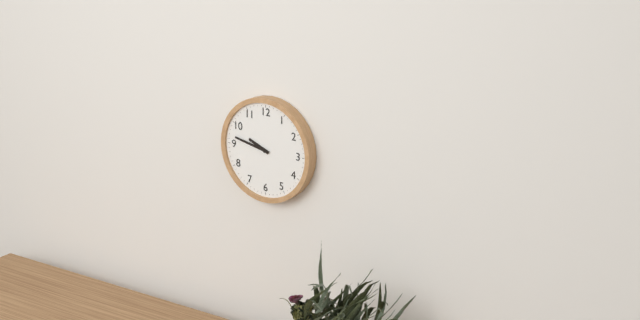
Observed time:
h=9 m=47
